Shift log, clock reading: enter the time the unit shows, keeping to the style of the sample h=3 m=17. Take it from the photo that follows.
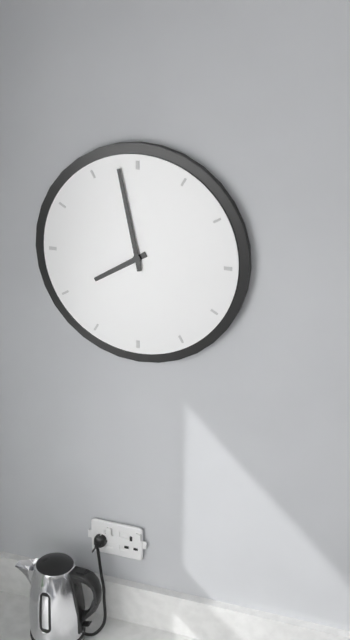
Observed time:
h=7 m=58
